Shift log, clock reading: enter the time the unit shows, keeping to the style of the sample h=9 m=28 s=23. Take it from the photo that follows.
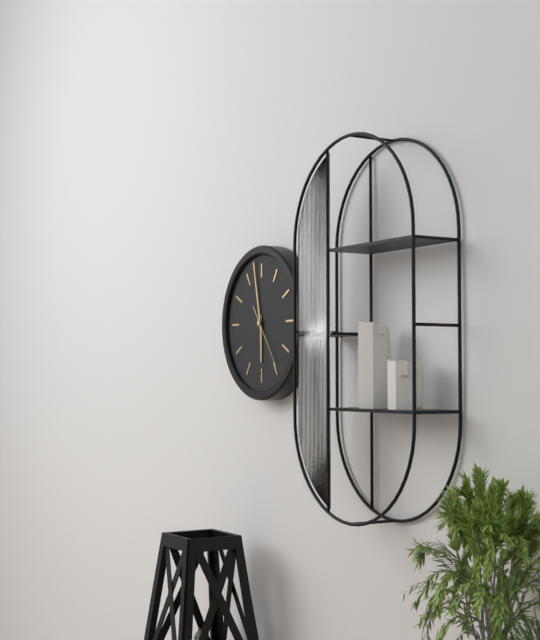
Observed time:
h=5 m=58 s=24
